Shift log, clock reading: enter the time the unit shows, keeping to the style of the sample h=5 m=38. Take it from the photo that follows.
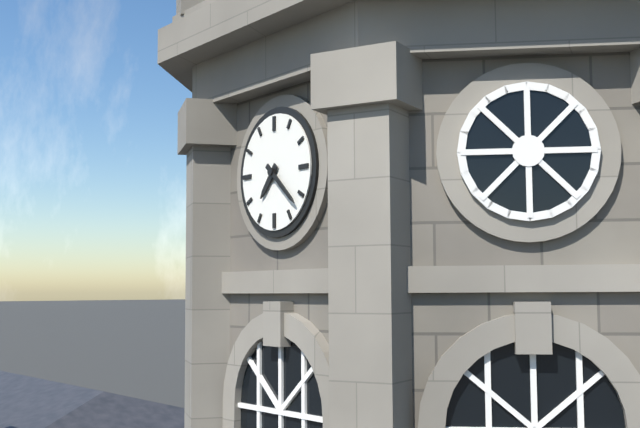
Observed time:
h=7 m=22
